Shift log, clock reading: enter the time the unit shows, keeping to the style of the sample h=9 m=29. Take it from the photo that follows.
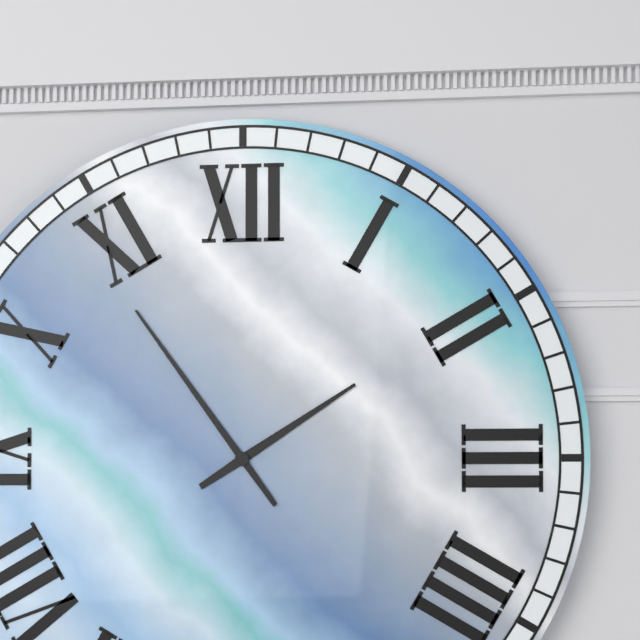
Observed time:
h=1 m=54
